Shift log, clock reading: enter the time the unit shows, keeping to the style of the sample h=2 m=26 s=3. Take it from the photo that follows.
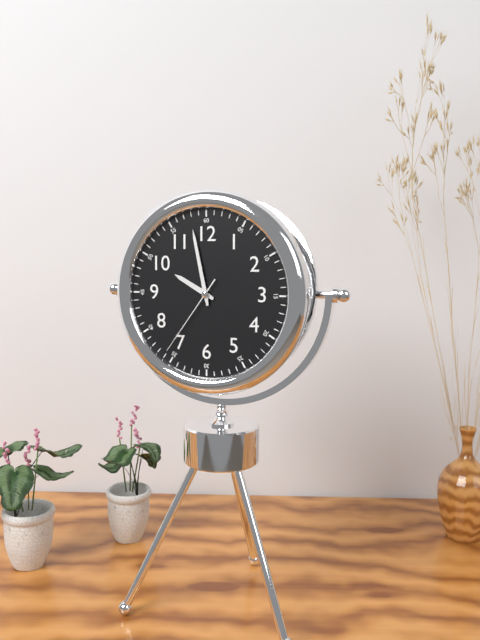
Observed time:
h=9 m=58 s=36
